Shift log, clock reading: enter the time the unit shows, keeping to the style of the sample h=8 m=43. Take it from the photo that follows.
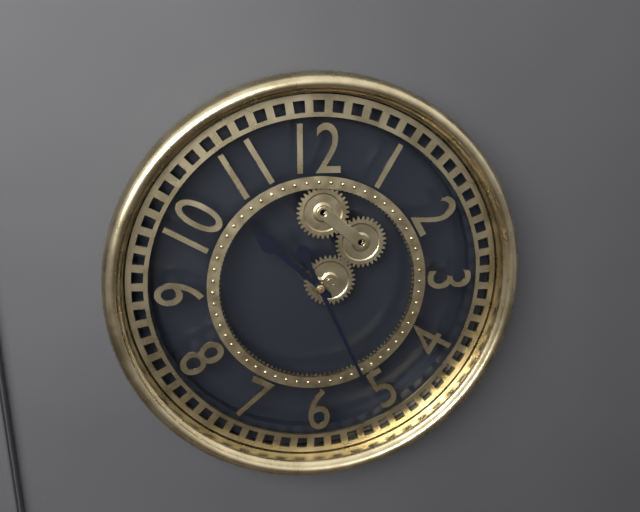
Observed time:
h=10 m=26
